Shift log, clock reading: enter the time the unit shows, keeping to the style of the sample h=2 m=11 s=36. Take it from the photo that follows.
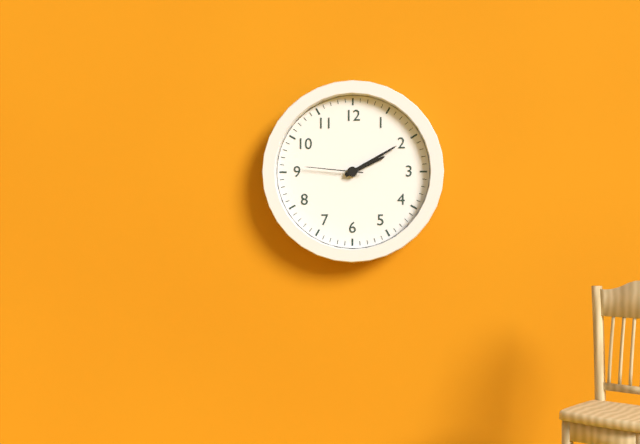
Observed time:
h=2 m=10 s=46
